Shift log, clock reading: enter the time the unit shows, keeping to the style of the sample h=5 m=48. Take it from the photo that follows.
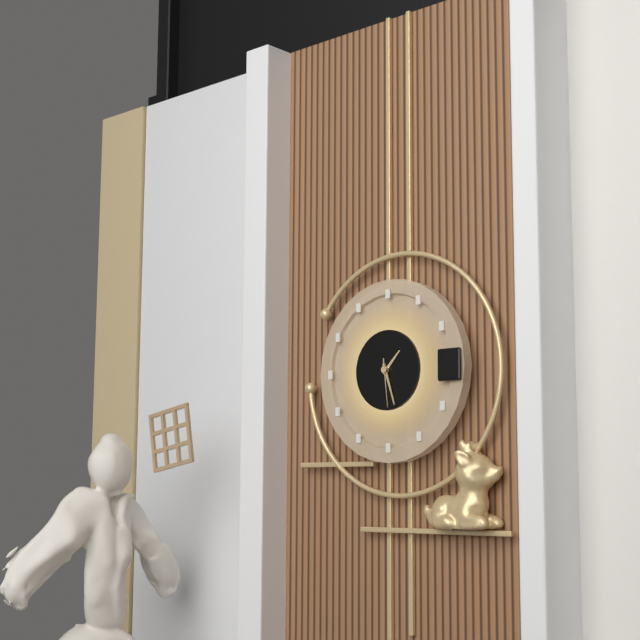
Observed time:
h=1 m=27
